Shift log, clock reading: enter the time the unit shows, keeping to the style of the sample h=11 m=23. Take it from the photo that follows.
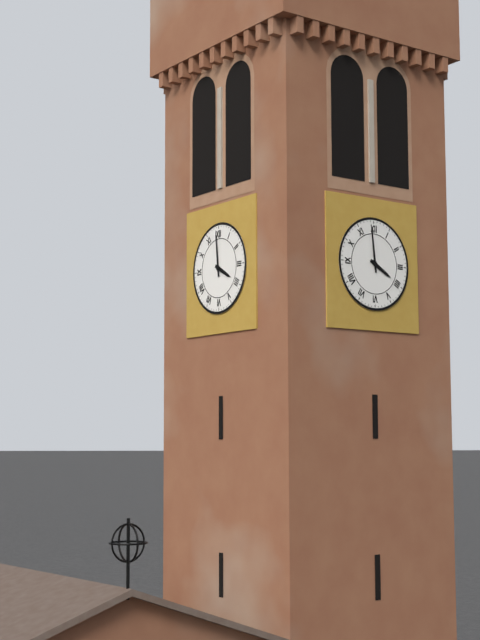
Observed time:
h=3 m=59
